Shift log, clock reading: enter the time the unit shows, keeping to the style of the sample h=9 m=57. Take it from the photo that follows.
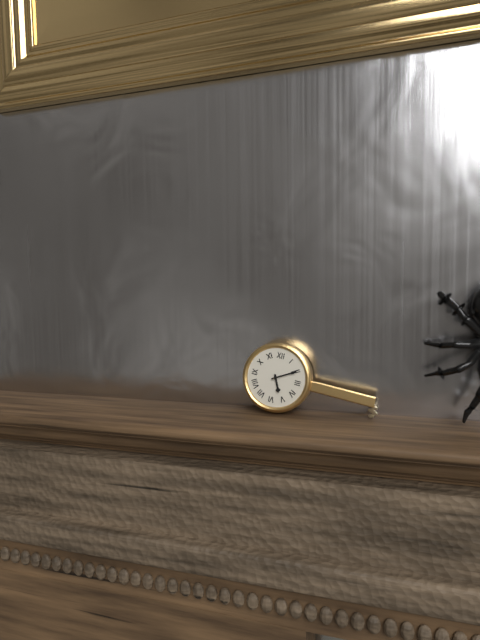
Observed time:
h=5 m=10
